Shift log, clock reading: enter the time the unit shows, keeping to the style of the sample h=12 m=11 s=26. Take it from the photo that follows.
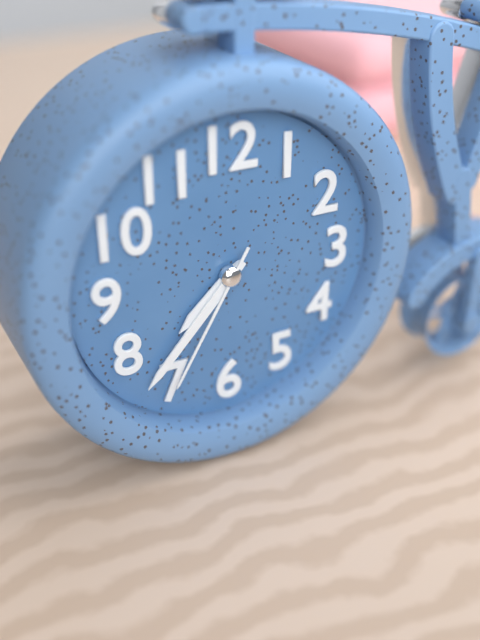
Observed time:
h=7 m=37 s=35
